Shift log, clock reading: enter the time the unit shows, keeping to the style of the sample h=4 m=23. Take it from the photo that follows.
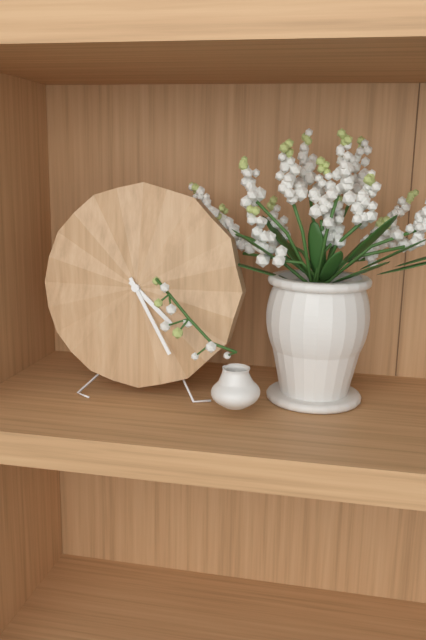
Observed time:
h=4 m=25
